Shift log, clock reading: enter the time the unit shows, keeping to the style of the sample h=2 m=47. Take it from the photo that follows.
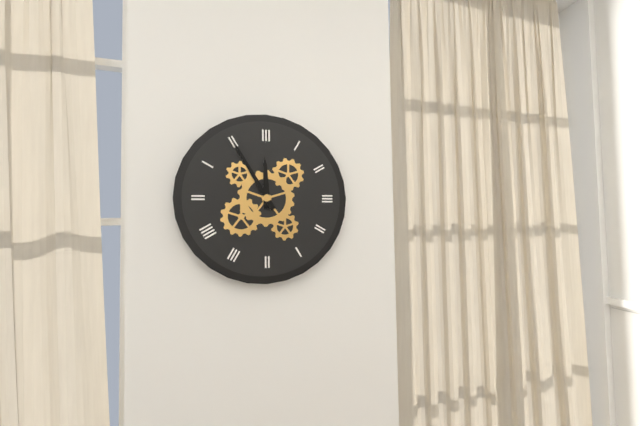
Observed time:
h=11 m=55
